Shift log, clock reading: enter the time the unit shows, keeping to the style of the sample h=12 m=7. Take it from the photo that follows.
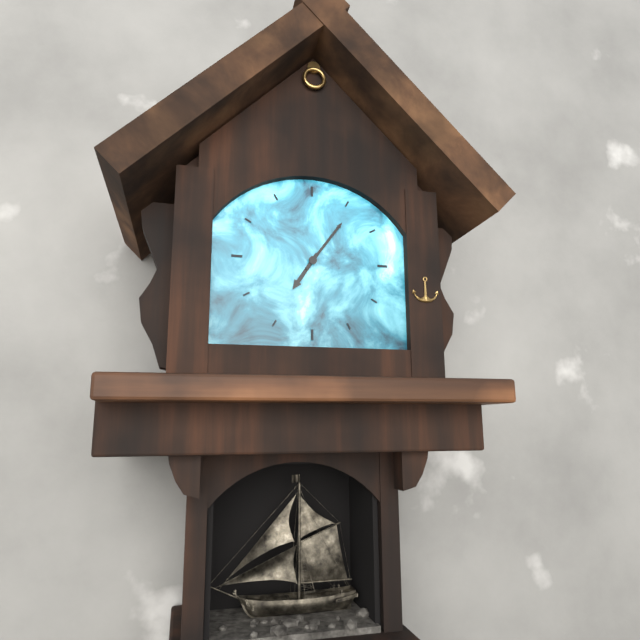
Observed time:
h=7 m=6
